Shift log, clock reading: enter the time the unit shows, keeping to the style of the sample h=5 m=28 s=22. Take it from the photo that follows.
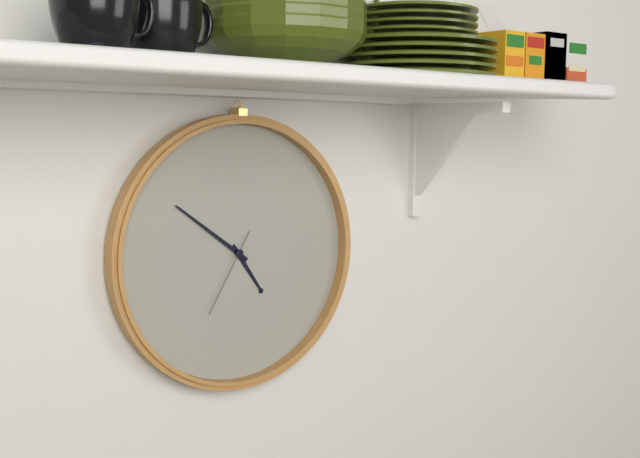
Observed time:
h=4 m=51 s=35
